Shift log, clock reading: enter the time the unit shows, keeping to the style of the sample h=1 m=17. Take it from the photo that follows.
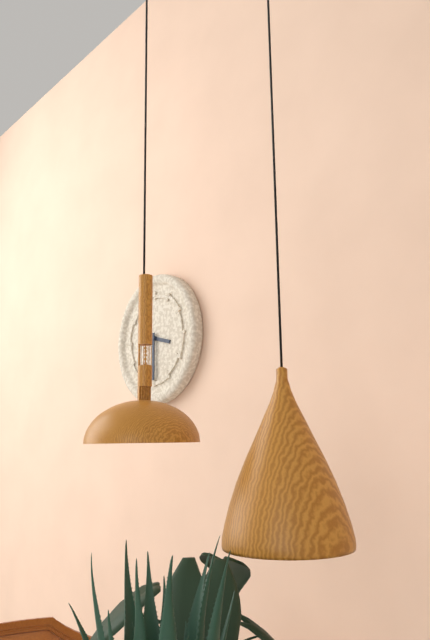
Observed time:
h=3 m=30
